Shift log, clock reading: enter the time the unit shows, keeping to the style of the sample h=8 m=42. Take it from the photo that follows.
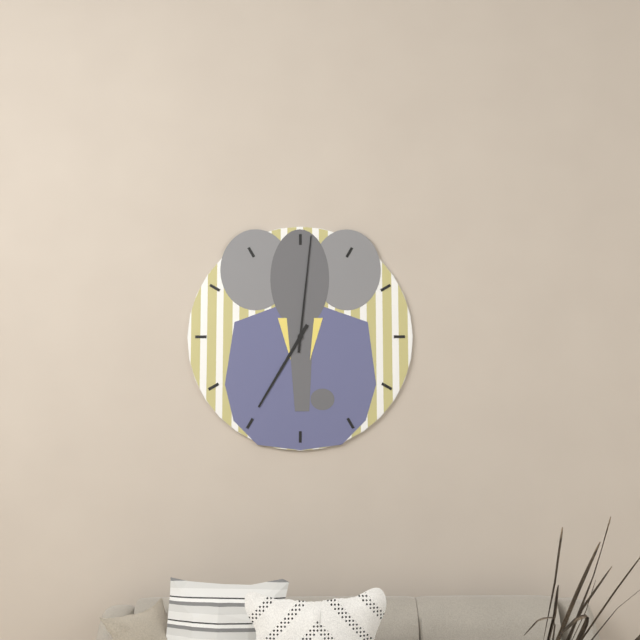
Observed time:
h=7 m=1
